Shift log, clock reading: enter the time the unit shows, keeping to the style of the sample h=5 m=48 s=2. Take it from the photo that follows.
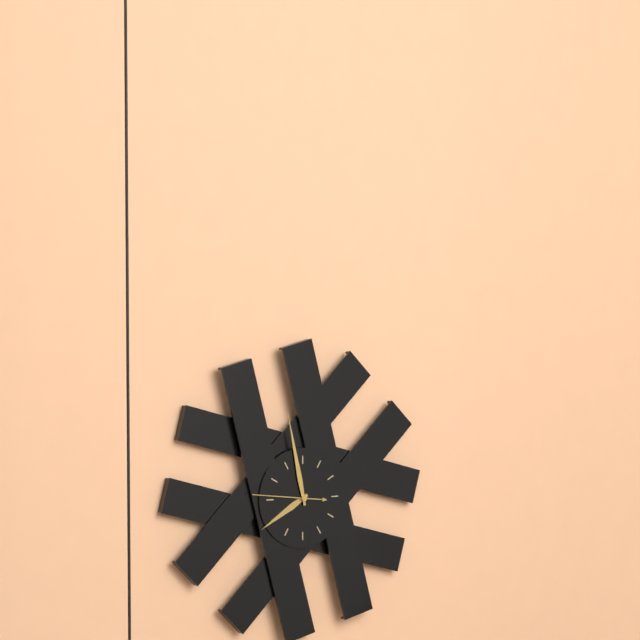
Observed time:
h=7 m=58 s=46
